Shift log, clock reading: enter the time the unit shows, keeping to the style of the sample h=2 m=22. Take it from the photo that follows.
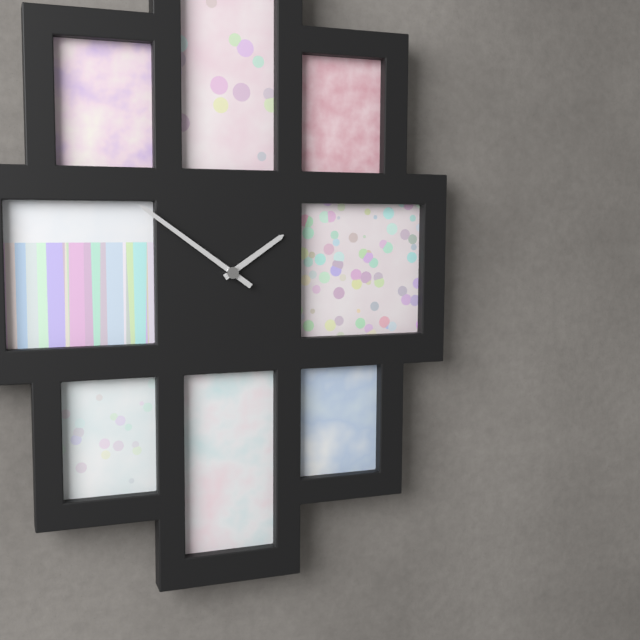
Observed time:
h=1 m=51
